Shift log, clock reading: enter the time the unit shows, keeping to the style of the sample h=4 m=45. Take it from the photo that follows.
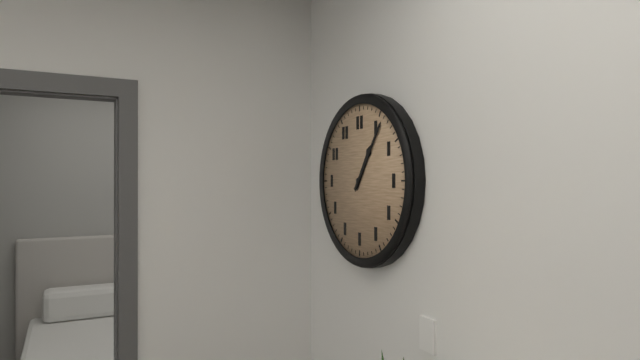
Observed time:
h=1 m=6
